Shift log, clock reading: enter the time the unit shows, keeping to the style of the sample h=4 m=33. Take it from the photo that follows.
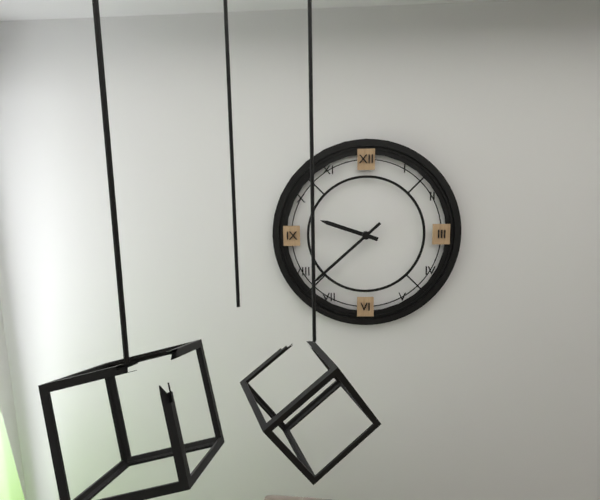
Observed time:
h=9 m=38
